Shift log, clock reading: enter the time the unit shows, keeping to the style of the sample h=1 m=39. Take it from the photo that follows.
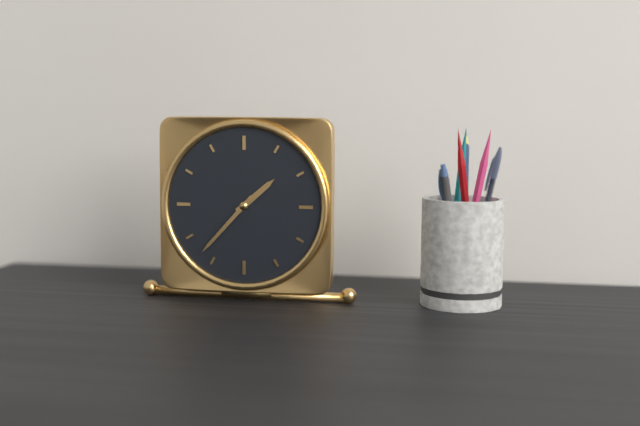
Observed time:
h=1 m=37
